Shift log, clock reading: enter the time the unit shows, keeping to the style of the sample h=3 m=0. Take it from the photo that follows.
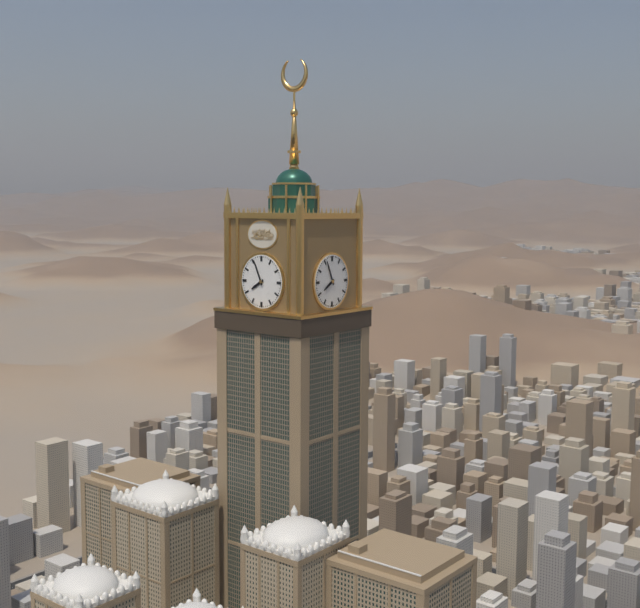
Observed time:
h=7 m=56
